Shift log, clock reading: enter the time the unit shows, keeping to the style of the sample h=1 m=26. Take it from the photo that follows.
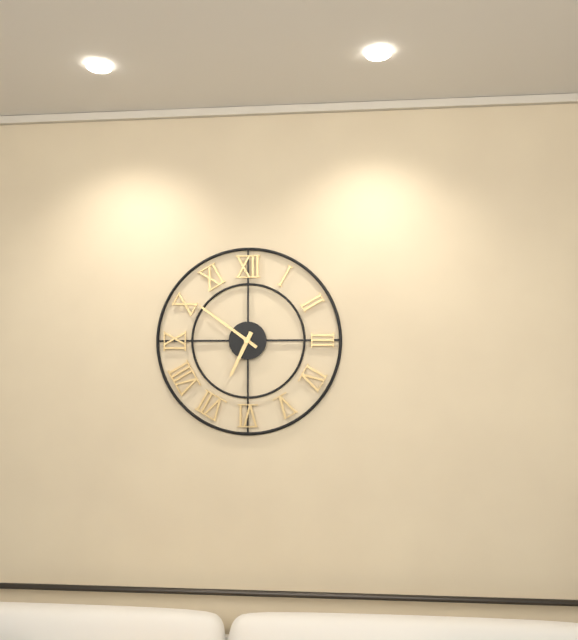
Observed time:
h=6 m=51
